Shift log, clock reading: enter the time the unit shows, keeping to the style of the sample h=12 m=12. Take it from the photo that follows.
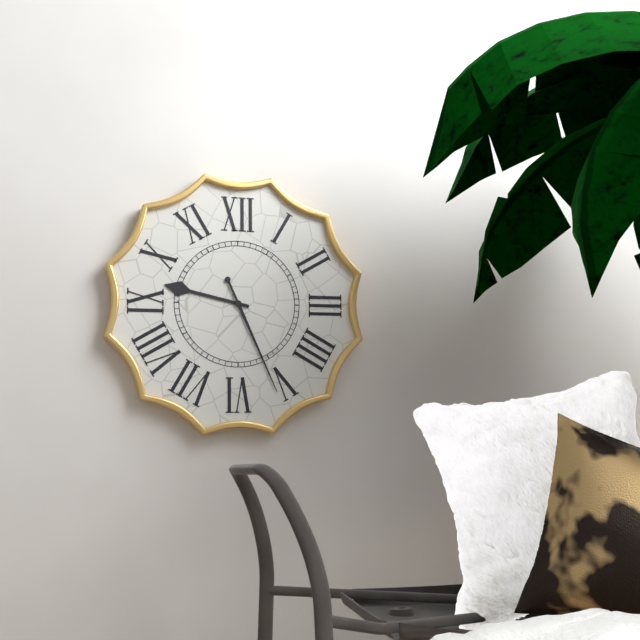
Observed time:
h=9 m=26
